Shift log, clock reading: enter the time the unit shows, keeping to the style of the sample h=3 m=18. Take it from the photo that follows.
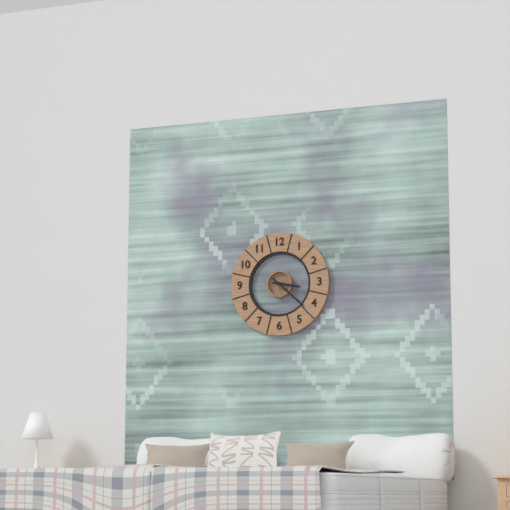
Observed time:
h=3 m=22
